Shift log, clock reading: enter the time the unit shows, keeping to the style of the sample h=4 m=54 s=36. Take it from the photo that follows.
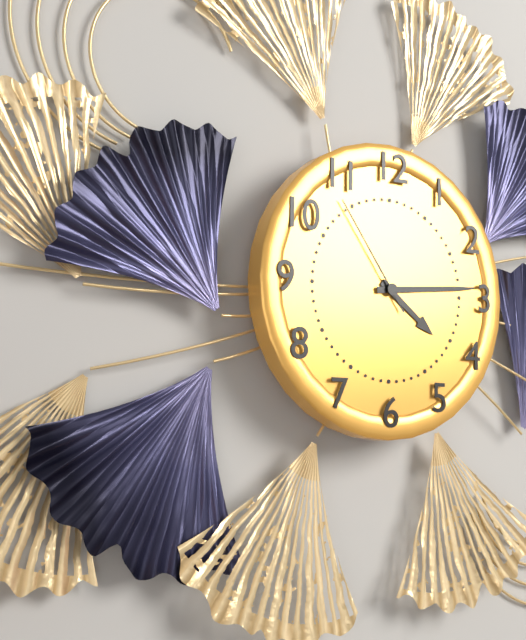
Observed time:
h=4 m=14 s=54
